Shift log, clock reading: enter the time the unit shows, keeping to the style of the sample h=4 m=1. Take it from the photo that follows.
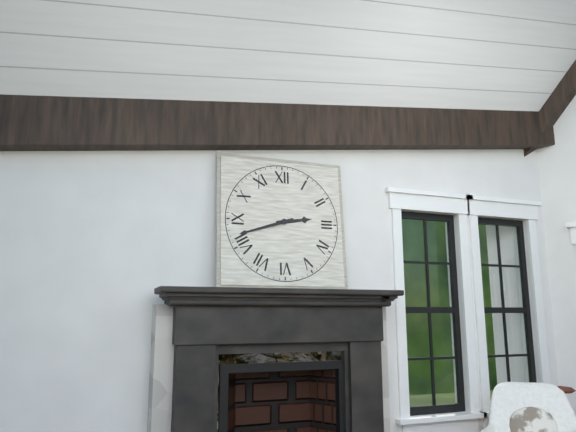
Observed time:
h=2 m=42
